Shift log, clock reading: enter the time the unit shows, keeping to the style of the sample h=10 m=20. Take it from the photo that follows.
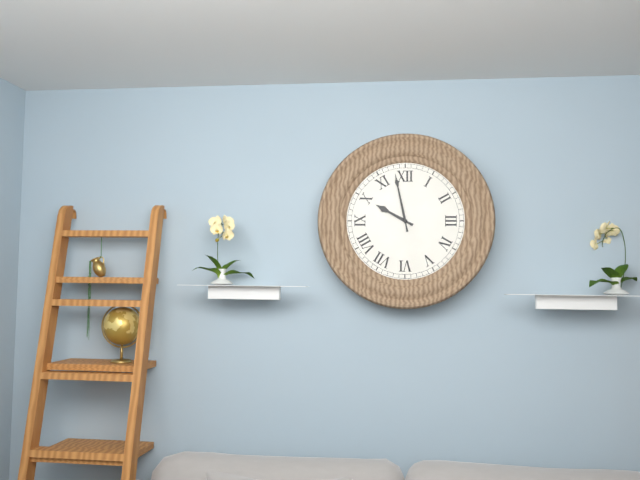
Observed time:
h=9 m=58
